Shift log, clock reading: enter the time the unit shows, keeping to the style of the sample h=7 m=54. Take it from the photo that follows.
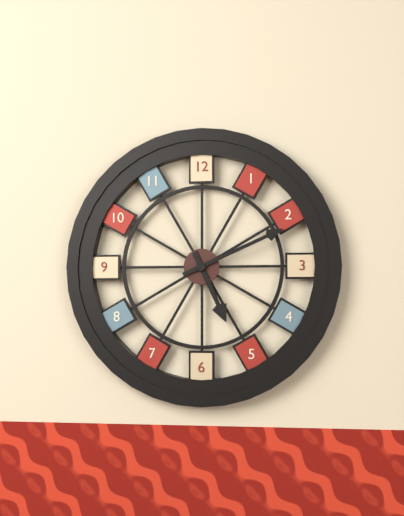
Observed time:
h=5 m=11
